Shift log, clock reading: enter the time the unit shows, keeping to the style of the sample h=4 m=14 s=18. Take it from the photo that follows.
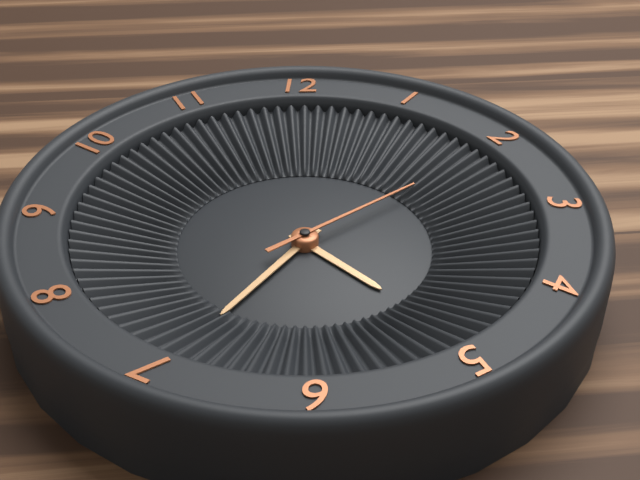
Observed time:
h=4 m=36 s=9
